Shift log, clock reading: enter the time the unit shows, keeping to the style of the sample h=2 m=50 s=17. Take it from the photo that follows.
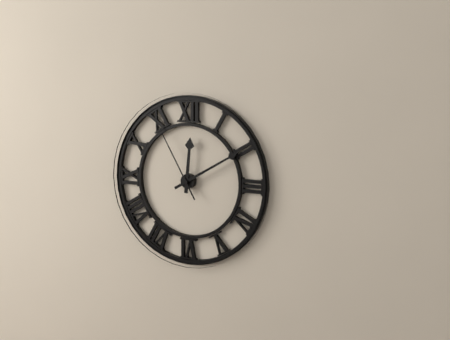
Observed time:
h=12 m=10 s=55
